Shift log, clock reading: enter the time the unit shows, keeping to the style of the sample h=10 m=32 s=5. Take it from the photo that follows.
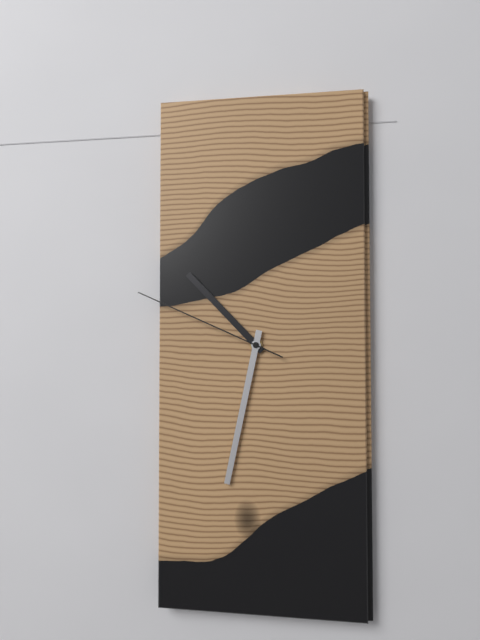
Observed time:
h=10 m=32 s=49
